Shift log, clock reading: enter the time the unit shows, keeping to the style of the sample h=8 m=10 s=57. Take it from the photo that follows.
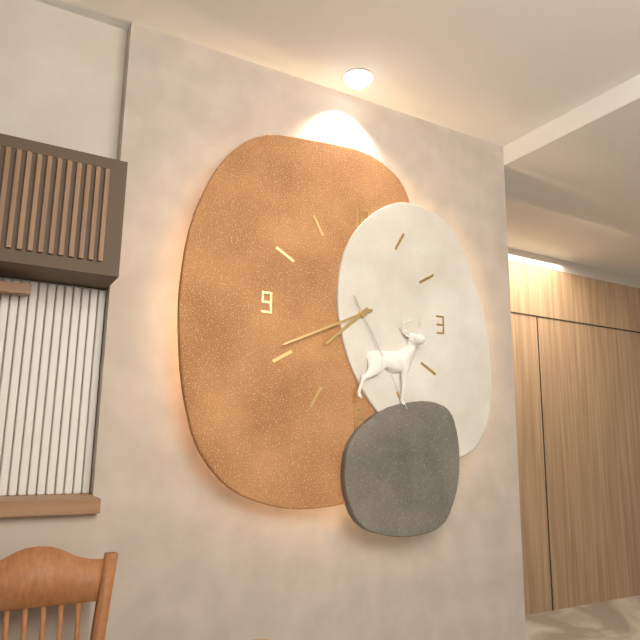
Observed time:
h=7 m=41 s=25
